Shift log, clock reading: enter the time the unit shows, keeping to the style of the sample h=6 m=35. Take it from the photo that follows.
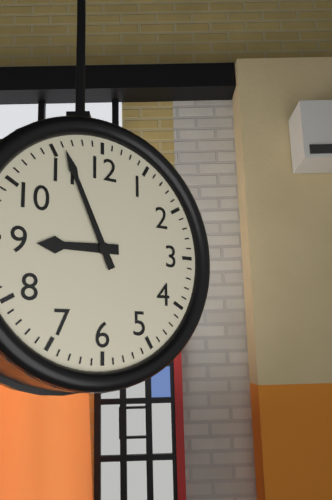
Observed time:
h=8 m=56
